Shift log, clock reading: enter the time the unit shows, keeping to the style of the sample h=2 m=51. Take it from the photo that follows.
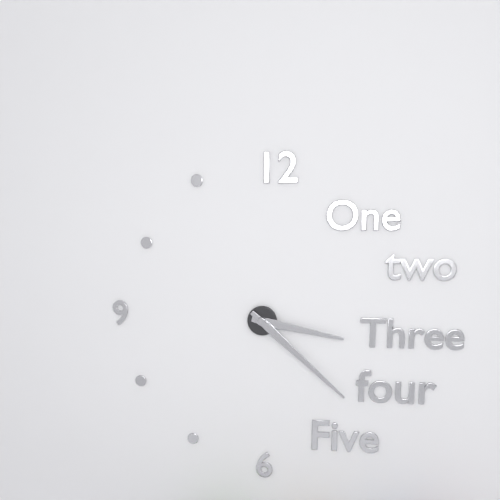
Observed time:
h=3 m=22
